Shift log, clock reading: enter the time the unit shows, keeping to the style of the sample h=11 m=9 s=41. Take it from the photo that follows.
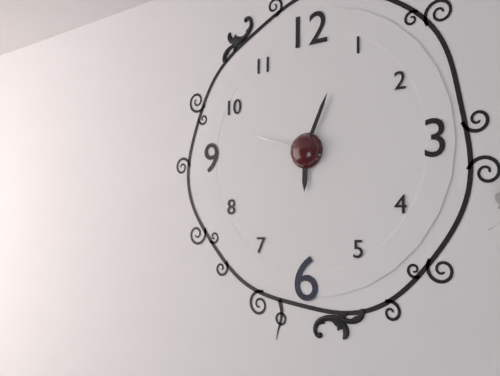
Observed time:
h=6 m=4 s=48
